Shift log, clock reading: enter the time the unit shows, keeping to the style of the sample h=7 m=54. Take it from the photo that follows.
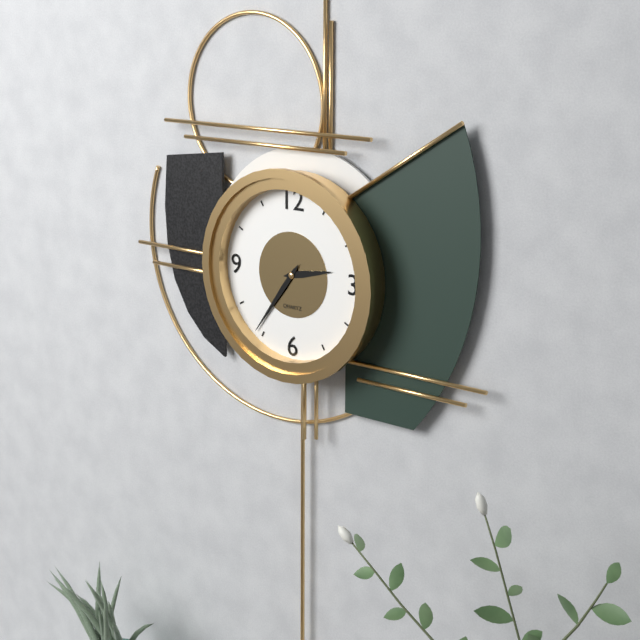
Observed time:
h=2 m=36
